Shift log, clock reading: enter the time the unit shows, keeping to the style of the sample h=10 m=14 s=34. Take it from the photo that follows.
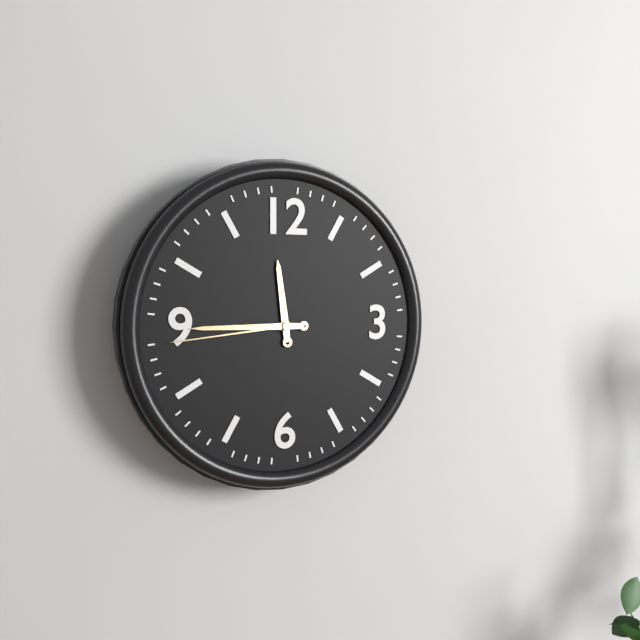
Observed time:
h=11 m=45 s=44
